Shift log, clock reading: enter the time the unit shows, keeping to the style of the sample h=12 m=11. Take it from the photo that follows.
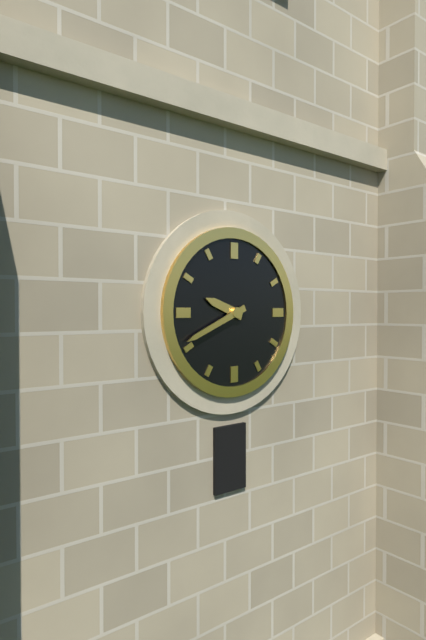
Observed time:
h=9 m=41
